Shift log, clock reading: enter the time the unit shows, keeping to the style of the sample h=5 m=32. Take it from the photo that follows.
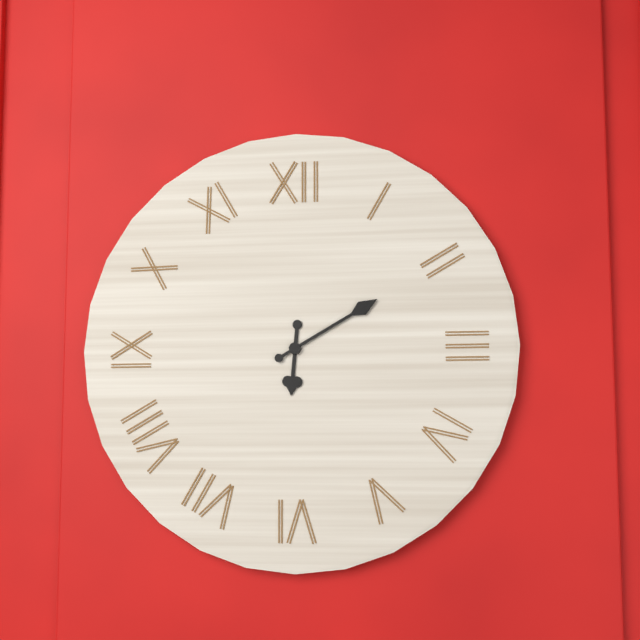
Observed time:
h=6 m=10
